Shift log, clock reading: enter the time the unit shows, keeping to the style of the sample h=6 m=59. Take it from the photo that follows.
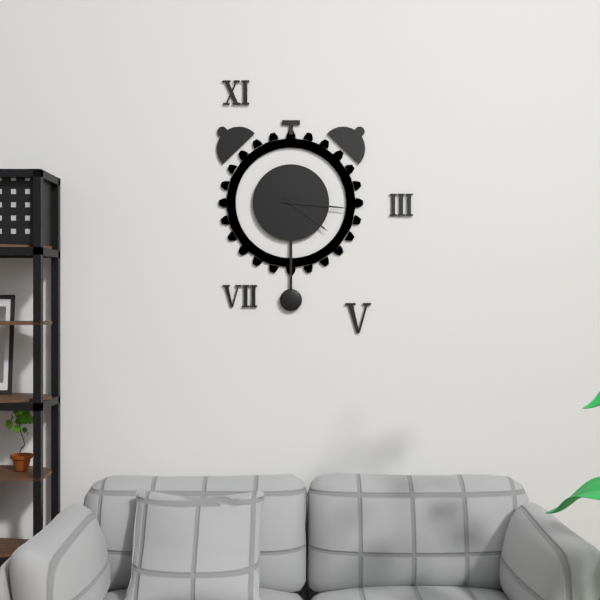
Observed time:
h=4 m=16
